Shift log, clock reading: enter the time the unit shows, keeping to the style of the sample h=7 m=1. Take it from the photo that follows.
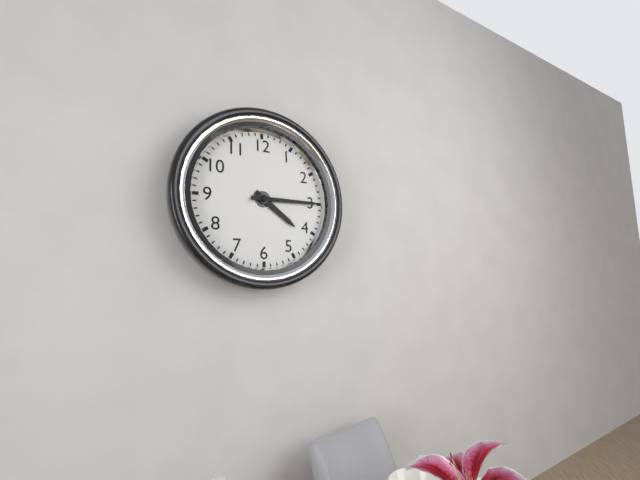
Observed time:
h=4 m=15
